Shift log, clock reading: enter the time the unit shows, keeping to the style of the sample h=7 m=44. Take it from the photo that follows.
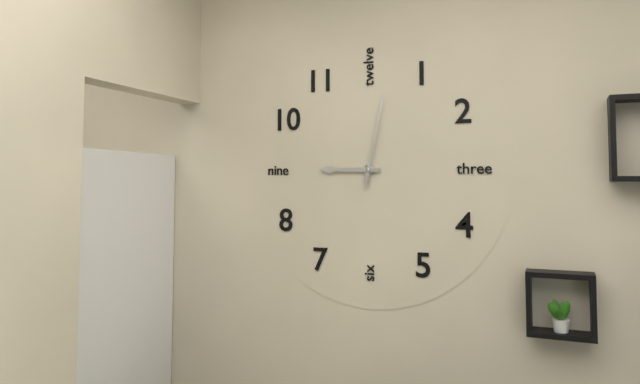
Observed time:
h=9 m=2
